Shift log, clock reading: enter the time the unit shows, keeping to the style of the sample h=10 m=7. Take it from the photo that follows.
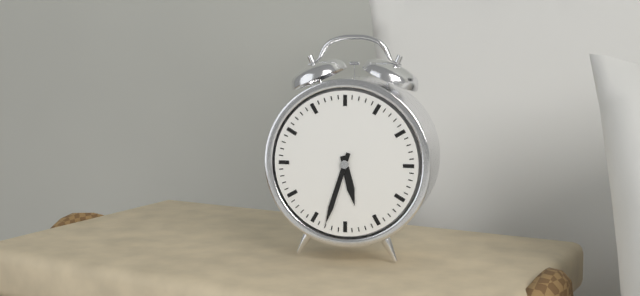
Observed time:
h=5 m=33
